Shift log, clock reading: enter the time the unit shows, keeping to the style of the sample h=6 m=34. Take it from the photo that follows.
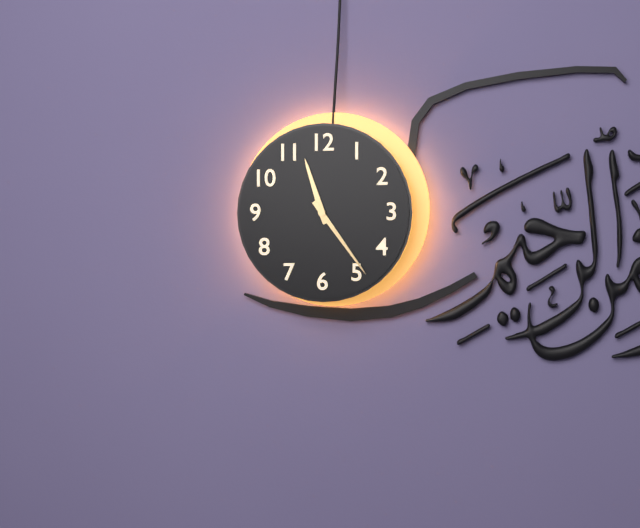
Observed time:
h=11 m=24
